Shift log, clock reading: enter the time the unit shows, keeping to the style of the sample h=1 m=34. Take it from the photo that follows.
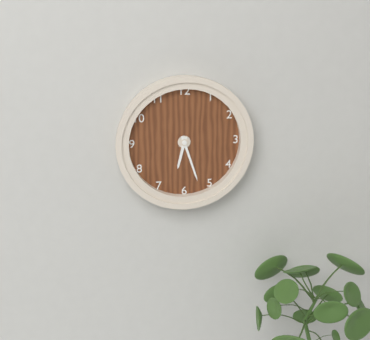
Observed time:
h=6 m=27
